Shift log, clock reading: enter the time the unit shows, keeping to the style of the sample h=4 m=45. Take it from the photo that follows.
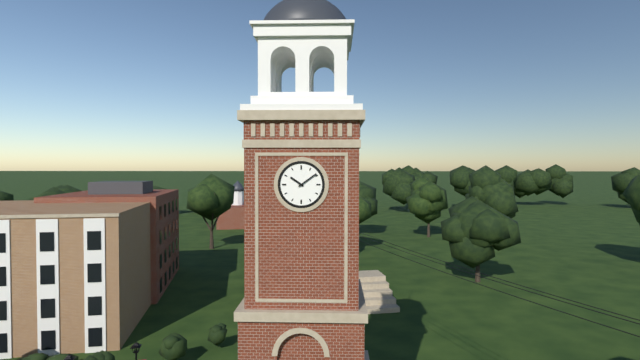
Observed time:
h=10 m=9
